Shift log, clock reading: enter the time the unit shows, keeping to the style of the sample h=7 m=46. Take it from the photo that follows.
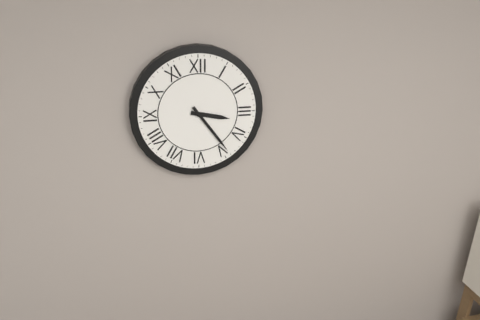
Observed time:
h=3 m=24
